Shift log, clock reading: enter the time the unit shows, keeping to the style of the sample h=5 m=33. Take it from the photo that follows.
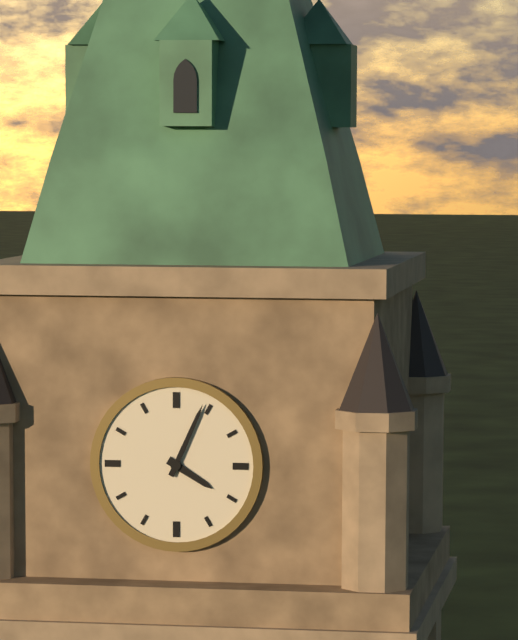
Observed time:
h=4 m=4
